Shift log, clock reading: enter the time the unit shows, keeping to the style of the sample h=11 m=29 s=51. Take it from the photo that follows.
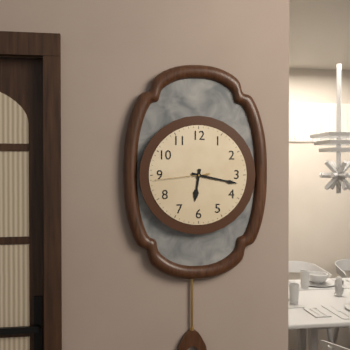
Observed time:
h=6 m=17 s=44
